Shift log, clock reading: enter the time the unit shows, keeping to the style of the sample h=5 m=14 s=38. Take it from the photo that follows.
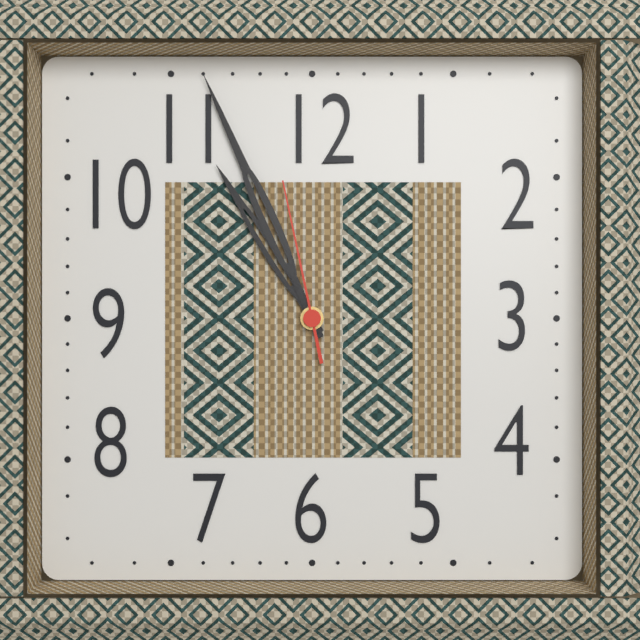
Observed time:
h=10 m=56 s=58
